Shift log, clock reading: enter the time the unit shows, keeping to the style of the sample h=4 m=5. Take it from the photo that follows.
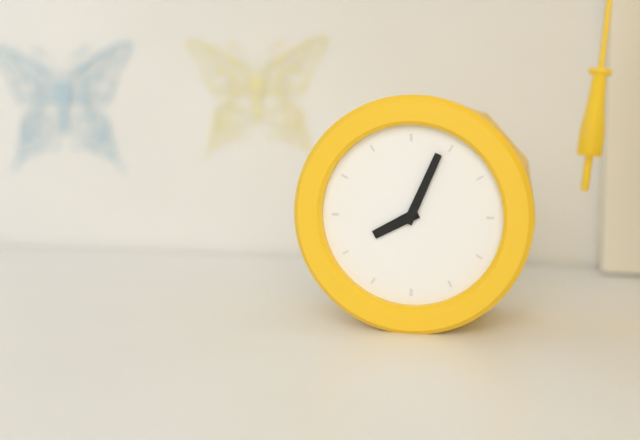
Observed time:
h=8 m=4
